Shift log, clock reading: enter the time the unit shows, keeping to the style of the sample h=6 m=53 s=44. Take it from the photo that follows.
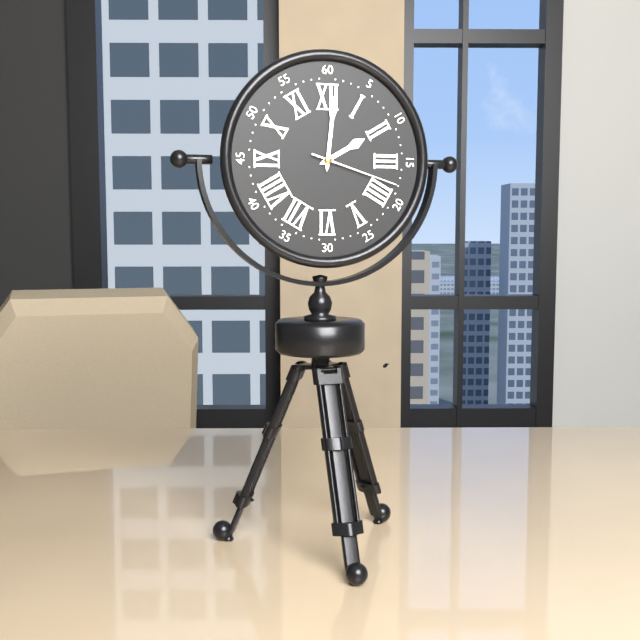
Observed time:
h=2 m=1 s=18
